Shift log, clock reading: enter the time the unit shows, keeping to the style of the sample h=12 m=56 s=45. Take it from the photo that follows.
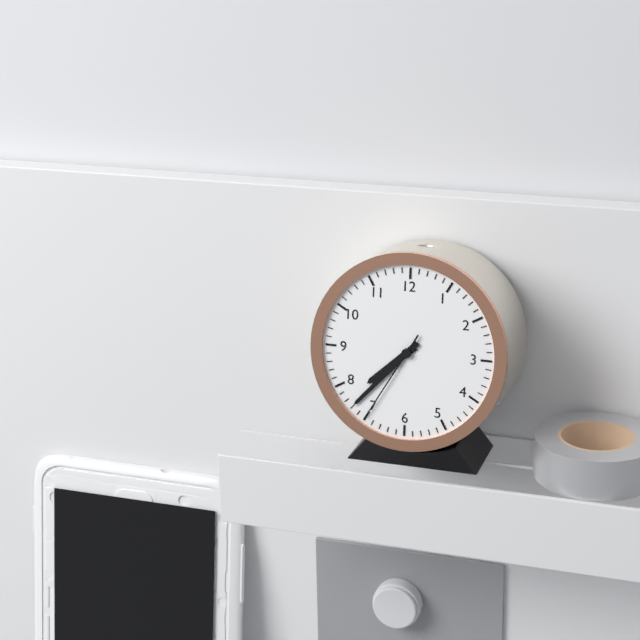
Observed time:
h=7 m=37 s=35
